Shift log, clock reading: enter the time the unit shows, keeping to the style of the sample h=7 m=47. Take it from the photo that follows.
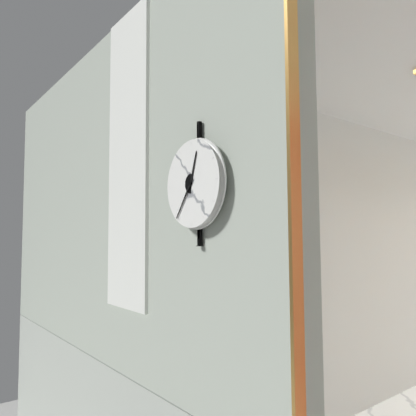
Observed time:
h=12 m=36
